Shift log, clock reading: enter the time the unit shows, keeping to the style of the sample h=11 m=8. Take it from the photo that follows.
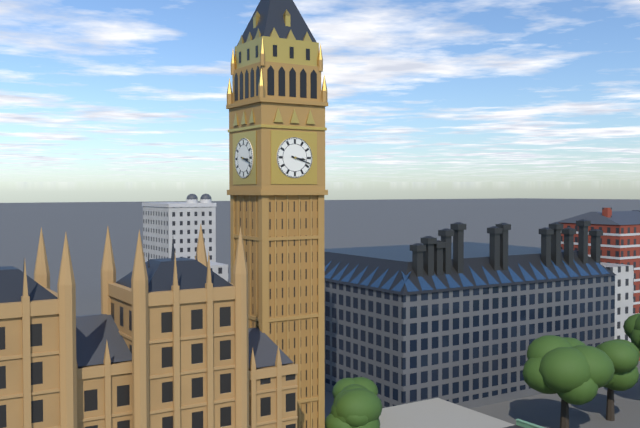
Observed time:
h=3 m=18
